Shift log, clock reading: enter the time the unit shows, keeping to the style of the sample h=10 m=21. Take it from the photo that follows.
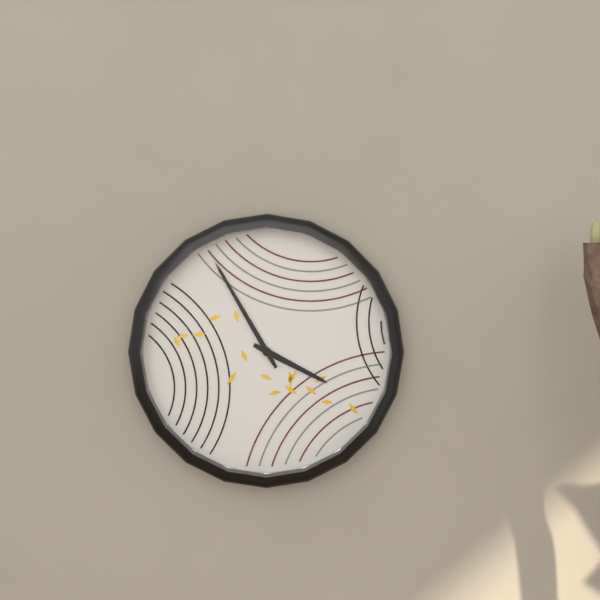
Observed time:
h=3 m=55
